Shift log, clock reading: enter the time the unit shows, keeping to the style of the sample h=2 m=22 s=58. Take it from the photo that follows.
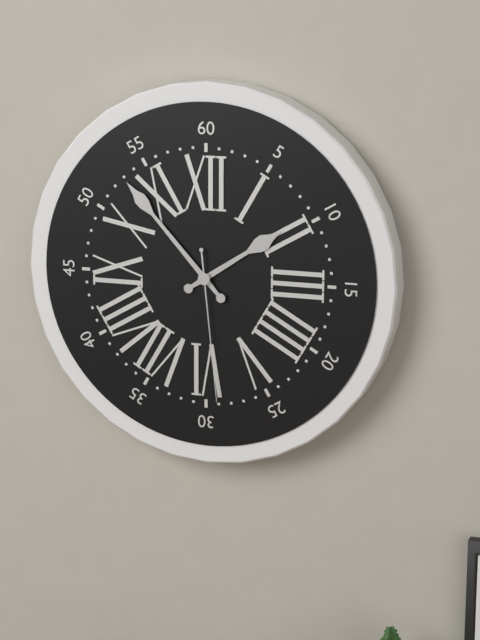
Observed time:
h=1 m=53 s=29
